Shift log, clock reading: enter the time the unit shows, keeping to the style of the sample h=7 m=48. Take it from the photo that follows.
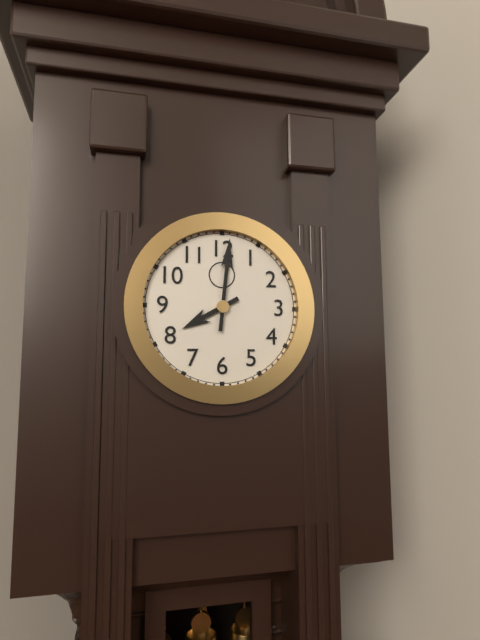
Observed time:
h=8 m=1
